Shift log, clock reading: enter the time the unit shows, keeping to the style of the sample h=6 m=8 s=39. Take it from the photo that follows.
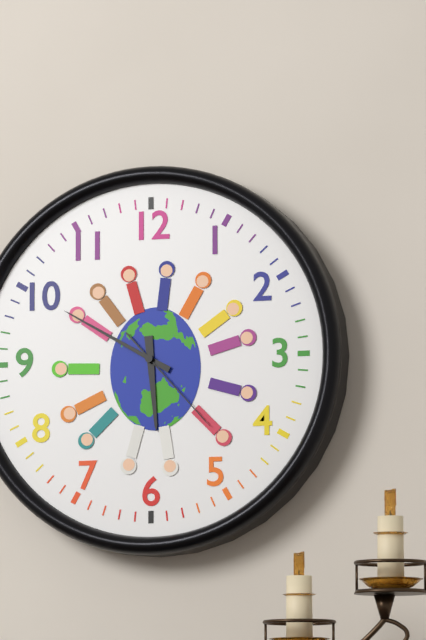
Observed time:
h=5 m=50 s=23
